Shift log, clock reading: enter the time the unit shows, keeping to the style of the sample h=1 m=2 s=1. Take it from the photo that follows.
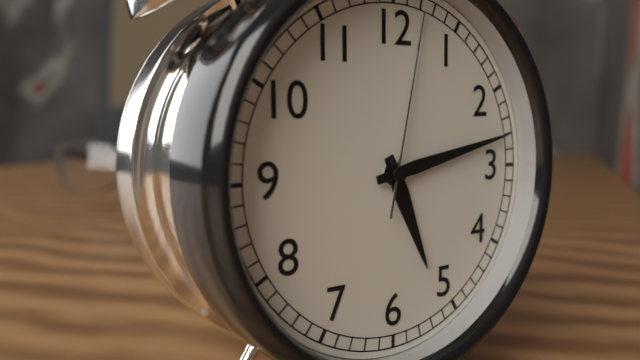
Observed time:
h=5 m=13 s=2
